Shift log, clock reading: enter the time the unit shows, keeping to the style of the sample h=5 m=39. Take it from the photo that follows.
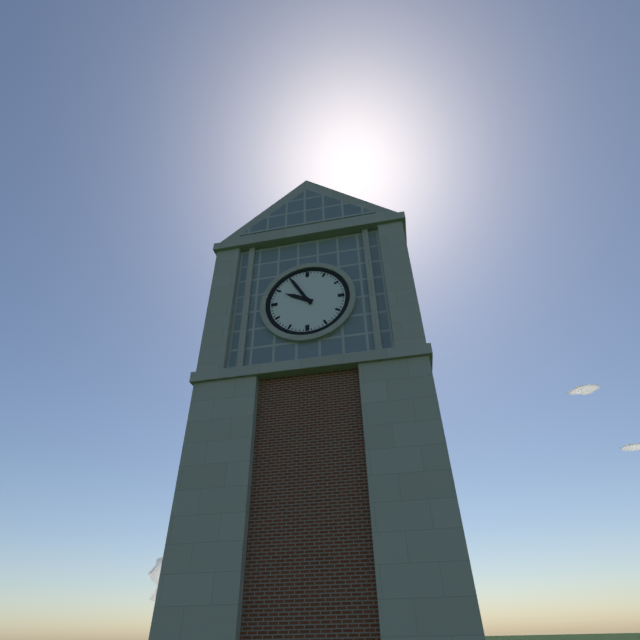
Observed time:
h=9 m=55
